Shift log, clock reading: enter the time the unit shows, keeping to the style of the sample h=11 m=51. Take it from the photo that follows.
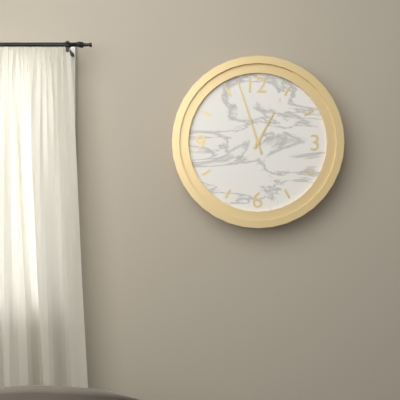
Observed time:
h=12 m=57
